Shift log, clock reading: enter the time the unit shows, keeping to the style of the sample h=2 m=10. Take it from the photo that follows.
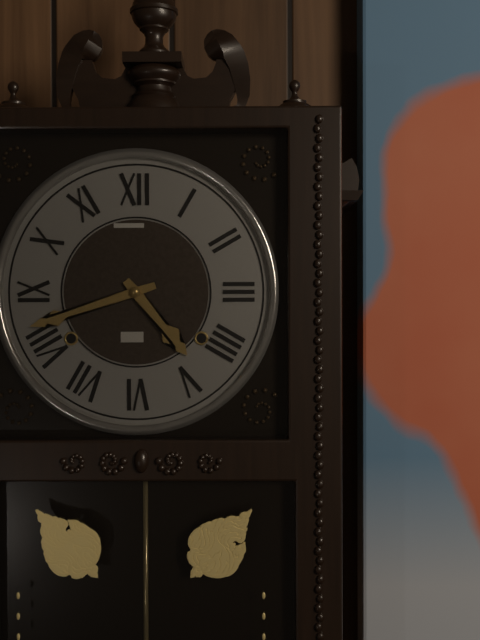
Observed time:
h=4 m=42
